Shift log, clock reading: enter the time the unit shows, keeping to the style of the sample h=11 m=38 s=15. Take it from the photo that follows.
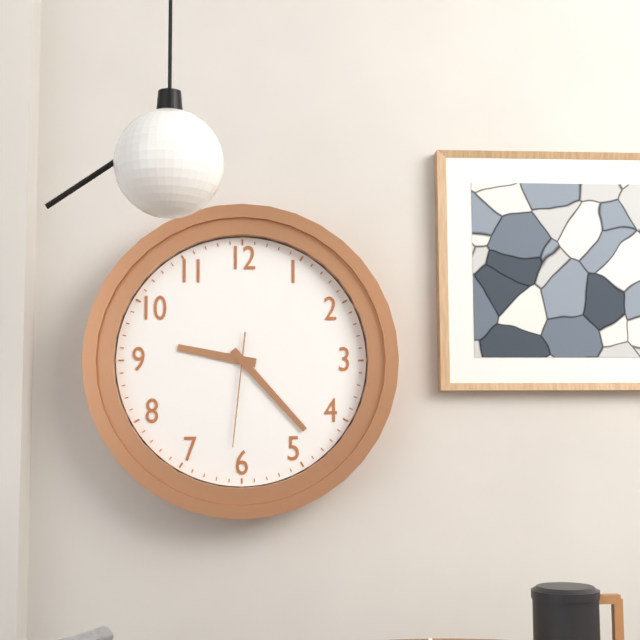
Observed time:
h=9 m=23 s=31
